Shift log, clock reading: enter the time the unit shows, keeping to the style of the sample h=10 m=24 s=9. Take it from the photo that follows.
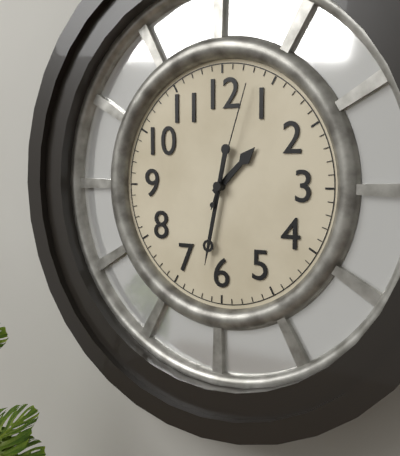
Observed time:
h=1 m=32 s=3
